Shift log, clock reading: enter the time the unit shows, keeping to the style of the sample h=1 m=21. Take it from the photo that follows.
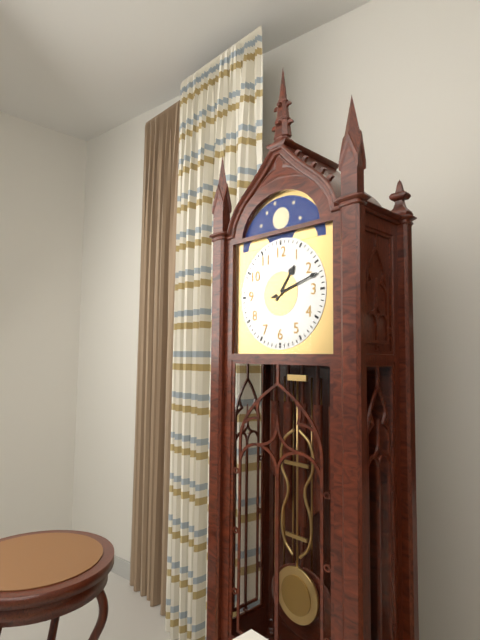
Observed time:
h=1 m=12
